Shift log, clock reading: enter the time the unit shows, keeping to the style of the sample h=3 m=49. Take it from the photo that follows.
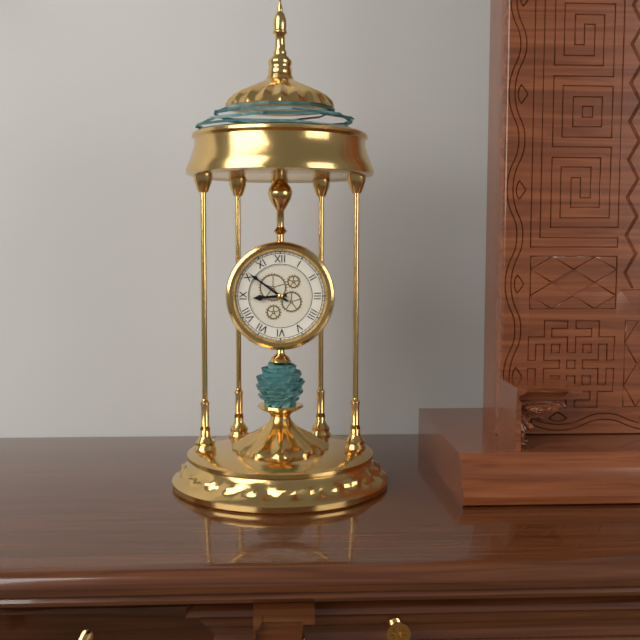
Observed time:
h=8 m=51
